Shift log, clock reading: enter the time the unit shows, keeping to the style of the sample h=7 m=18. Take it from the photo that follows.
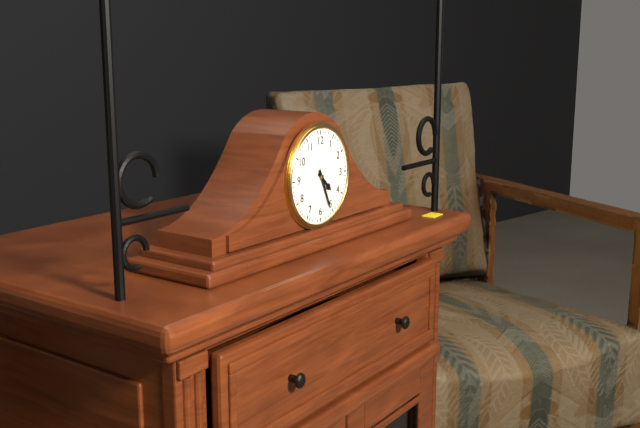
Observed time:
h=4 m=26
